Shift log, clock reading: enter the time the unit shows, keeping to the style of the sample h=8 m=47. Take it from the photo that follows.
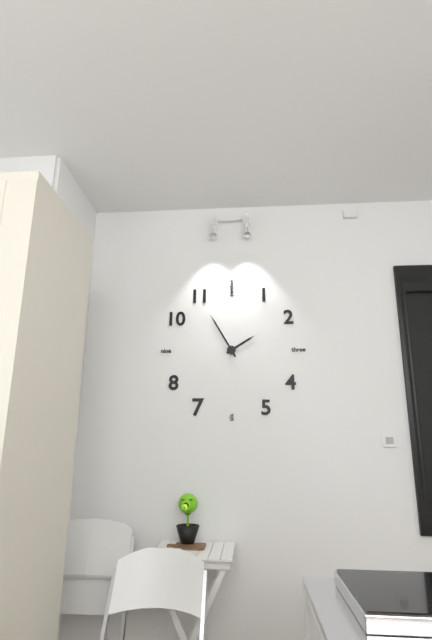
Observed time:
h=1 m=55
